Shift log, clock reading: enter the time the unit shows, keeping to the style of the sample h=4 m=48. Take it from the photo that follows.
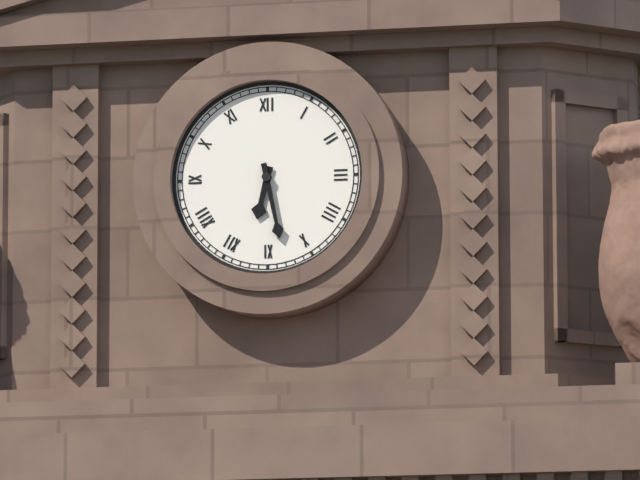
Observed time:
h=6 m=28
